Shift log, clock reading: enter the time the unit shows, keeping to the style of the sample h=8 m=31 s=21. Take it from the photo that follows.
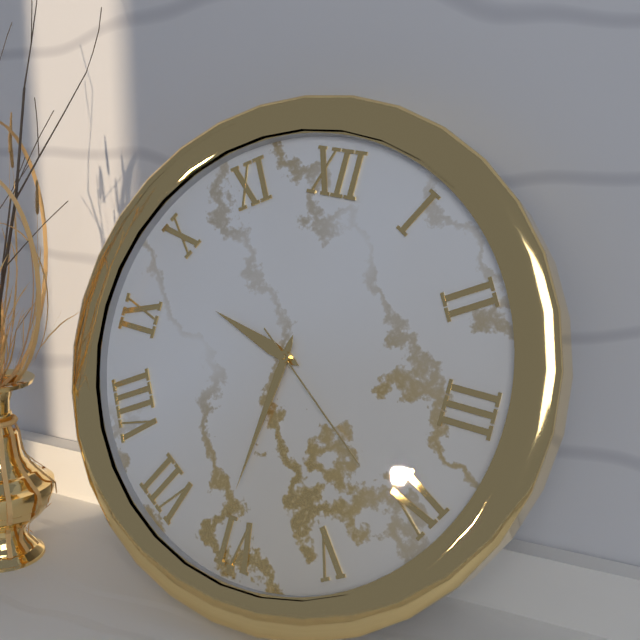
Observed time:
h=9 m=31 s=21
